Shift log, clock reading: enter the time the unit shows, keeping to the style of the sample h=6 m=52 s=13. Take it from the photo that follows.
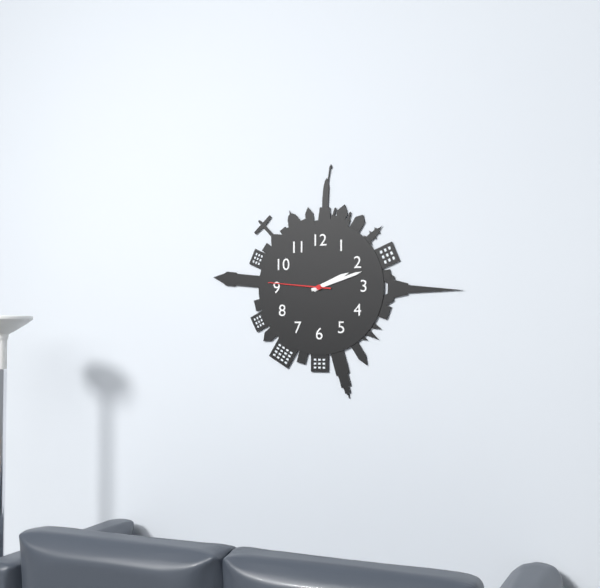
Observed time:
h=2 m=12 s=46
